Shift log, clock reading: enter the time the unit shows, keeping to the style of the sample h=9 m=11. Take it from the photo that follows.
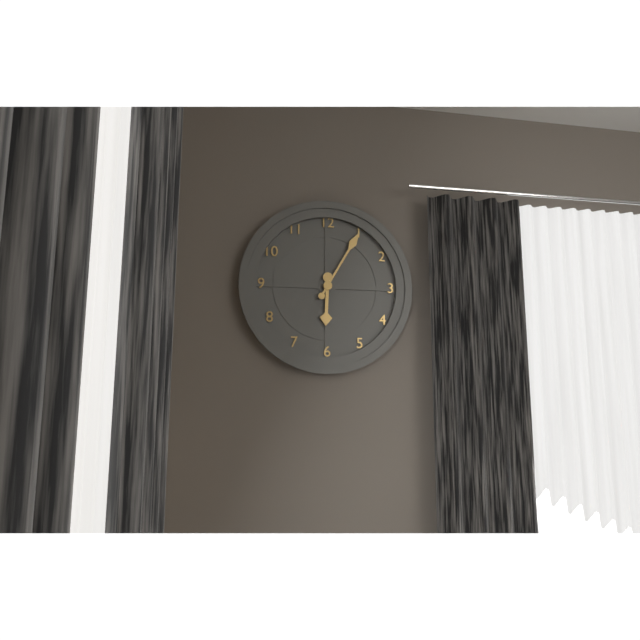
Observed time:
h=6 m=5
